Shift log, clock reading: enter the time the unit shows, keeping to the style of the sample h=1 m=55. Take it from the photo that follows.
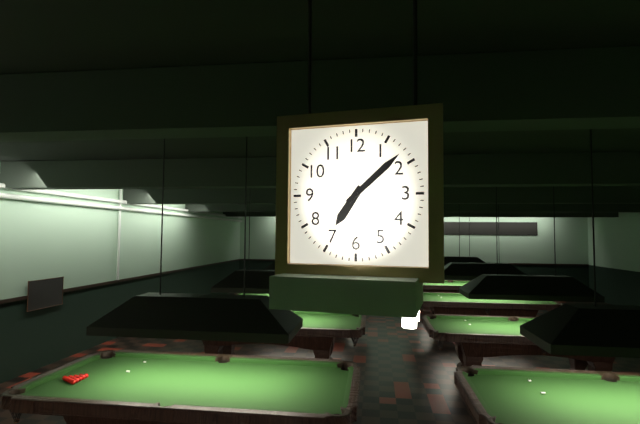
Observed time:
h=7 m=8
